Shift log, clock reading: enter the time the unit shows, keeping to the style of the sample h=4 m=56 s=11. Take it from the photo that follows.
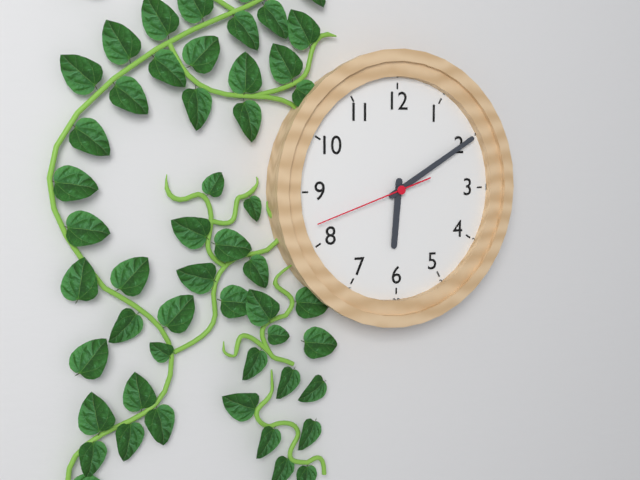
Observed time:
h=6 m=10 s=42
